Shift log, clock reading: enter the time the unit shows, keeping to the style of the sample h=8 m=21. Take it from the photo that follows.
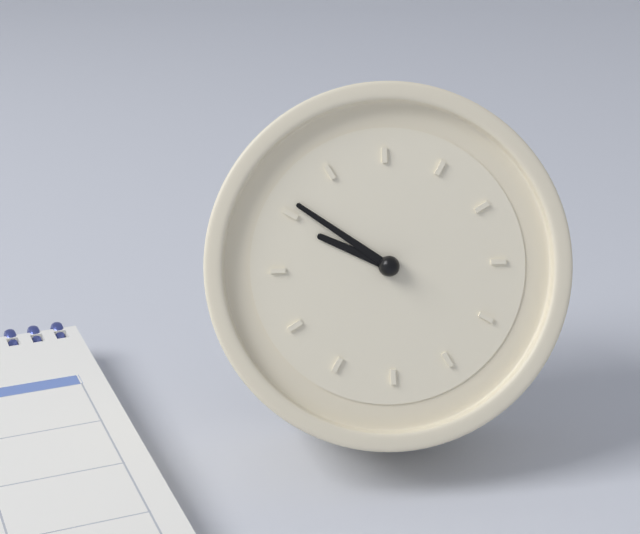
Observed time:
h=9 m=51
